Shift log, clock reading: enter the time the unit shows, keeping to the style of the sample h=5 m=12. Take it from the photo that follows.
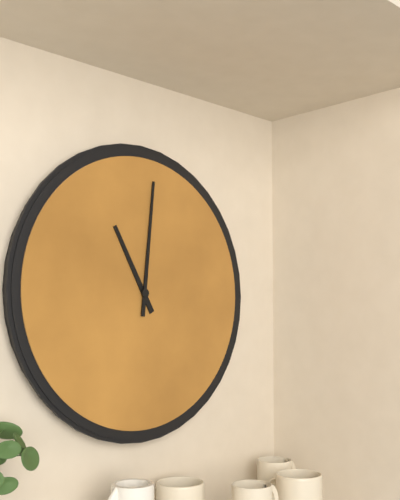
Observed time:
h=11 m=1
